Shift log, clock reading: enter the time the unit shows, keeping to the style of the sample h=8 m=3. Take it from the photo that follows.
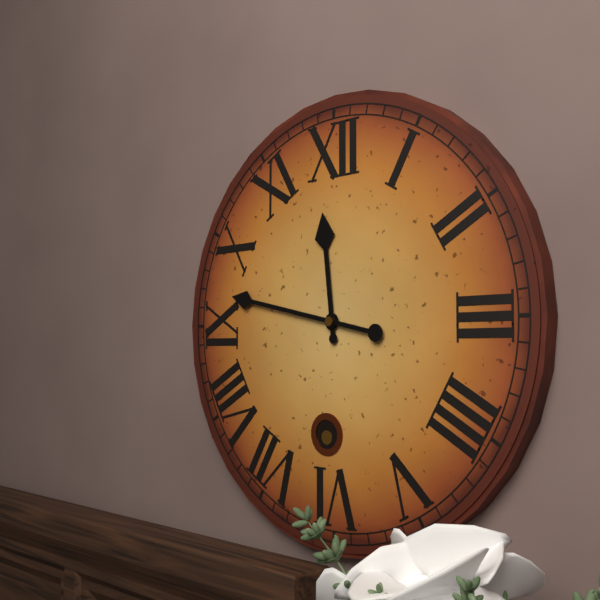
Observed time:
h=11 m=47
